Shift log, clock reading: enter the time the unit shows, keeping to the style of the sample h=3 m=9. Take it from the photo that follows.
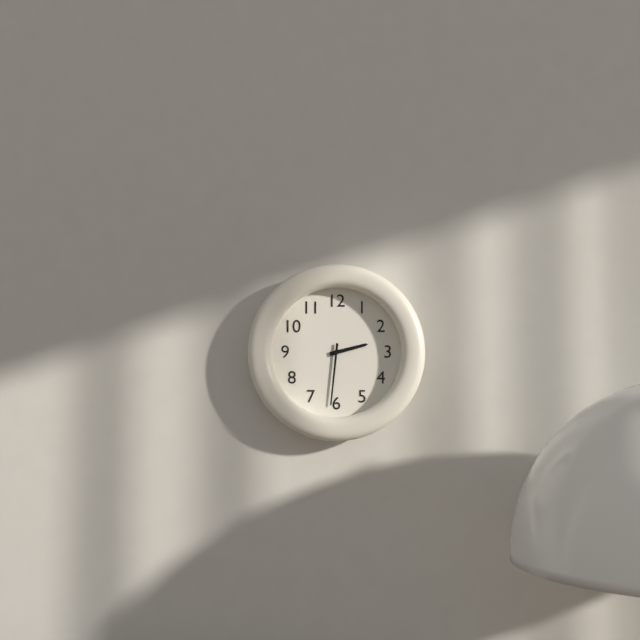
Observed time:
h=2 m=31
